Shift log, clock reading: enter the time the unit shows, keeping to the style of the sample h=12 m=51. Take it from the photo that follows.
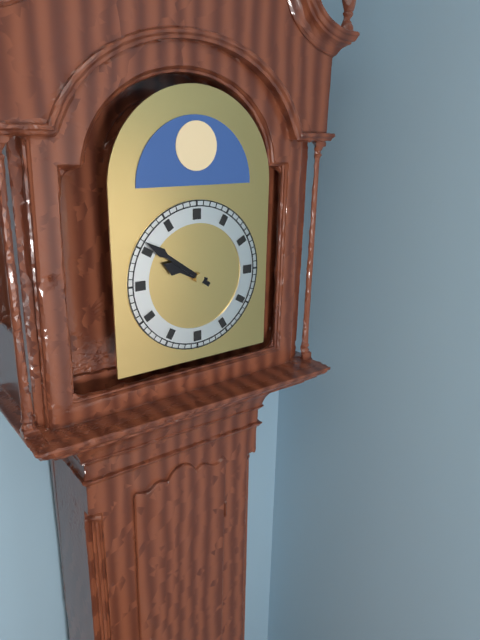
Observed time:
h=9 m=51
